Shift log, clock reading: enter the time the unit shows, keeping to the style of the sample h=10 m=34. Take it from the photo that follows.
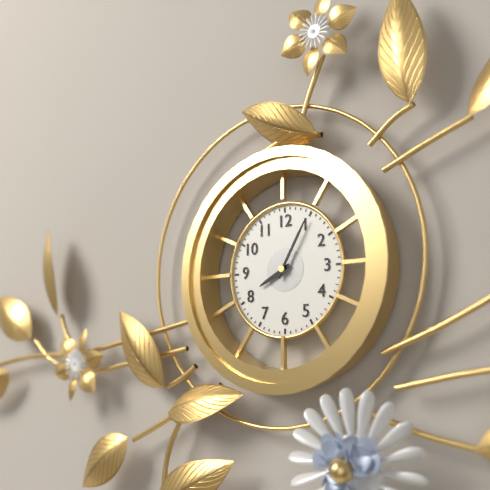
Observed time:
h=8 m=5
